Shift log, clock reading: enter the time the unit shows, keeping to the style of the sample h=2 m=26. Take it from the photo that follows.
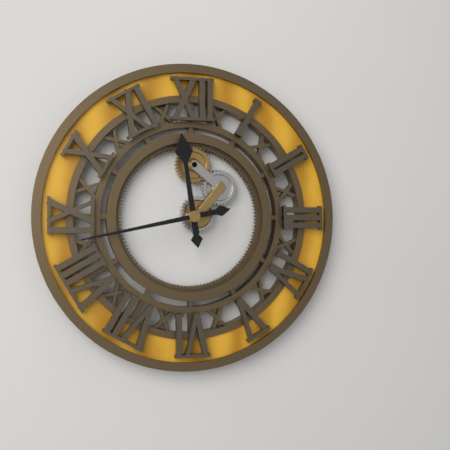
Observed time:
h=11 m=43
